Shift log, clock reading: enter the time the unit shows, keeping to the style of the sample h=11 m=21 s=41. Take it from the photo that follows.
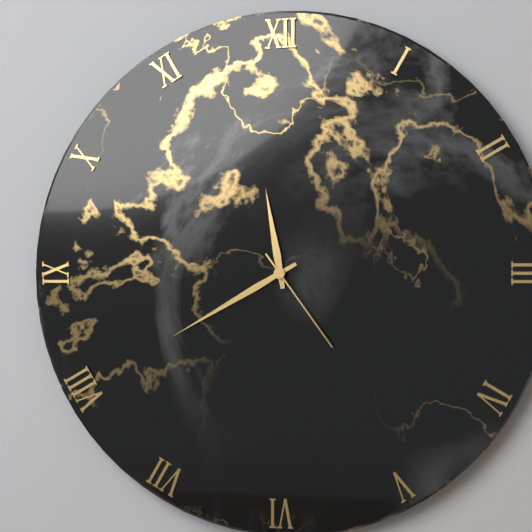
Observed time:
h=11 m=40 s=24
